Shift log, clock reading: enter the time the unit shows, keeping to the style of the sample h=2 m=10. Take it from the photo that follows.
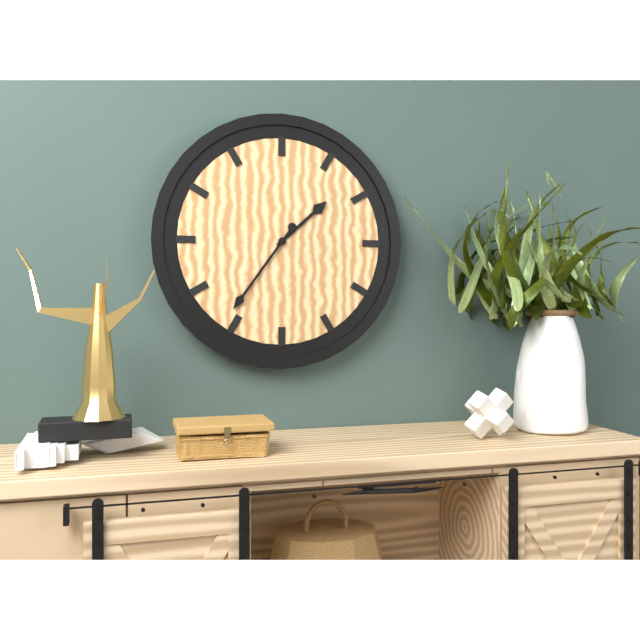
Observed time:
h=1 m=36
